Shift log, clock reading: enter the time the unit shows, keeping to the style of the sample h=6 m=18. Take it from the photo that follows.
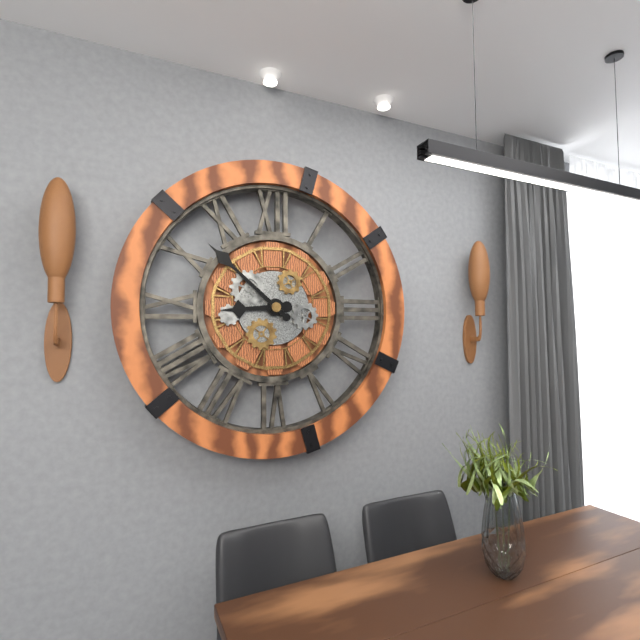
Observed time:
h=8 m=52
